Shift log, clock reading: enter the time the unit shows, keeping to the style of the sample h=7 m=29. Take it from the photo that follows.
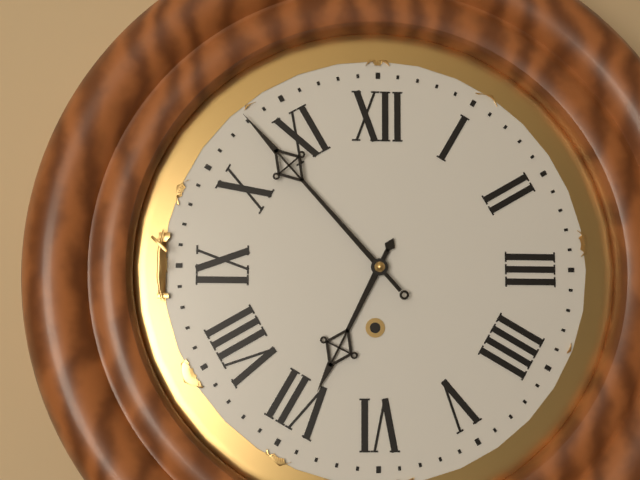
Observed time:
h=6 m=53
